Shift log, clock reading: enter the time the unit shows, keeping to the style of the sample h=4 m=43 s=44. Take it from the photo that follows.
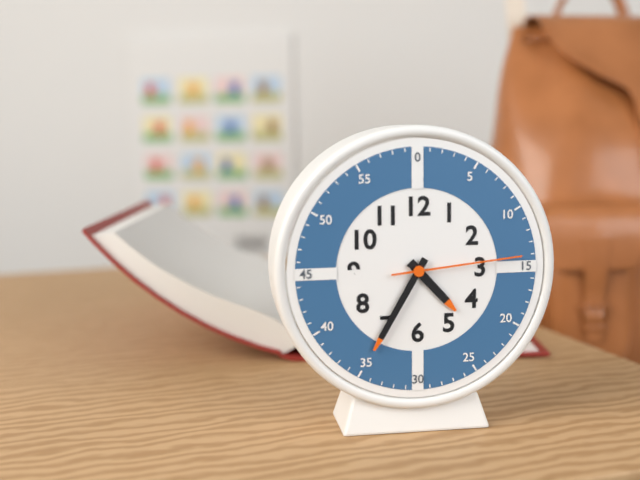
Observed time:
h=4 m=35 s=14
